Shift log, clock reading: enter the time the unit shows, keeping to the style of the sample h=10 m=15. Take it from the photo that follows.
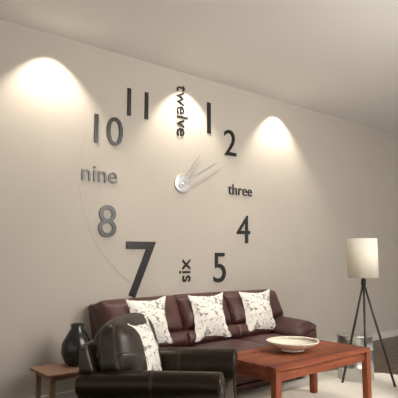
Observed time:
h=1 m=10
